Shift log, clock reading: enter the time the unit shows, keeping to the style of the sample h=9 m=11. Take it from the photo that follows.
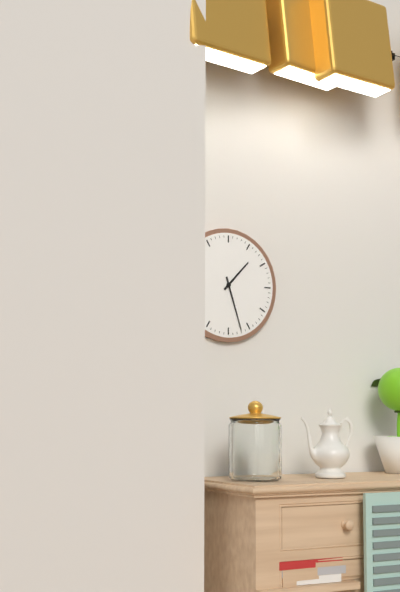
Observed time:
h=1 m=27
